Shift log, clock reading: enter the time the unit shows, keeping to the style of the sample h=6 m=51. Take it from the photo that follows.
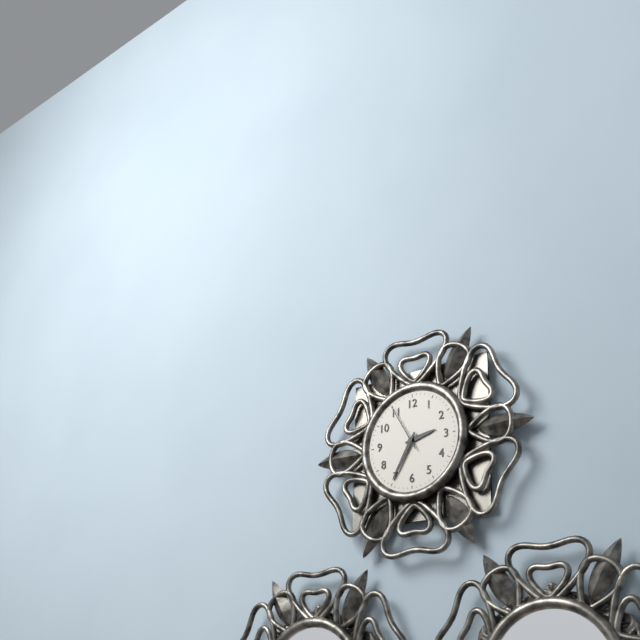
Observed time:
h=2 m=35
